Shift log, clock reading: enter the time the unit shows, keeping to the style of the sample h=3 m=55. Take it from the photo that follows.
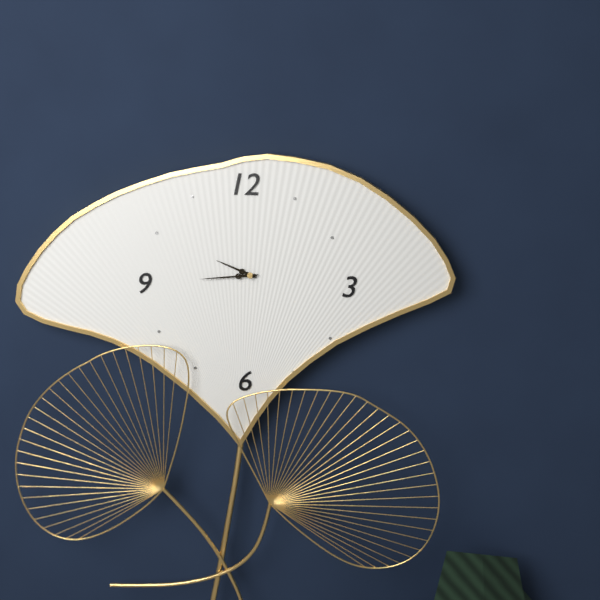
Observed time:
h=9 m=44
